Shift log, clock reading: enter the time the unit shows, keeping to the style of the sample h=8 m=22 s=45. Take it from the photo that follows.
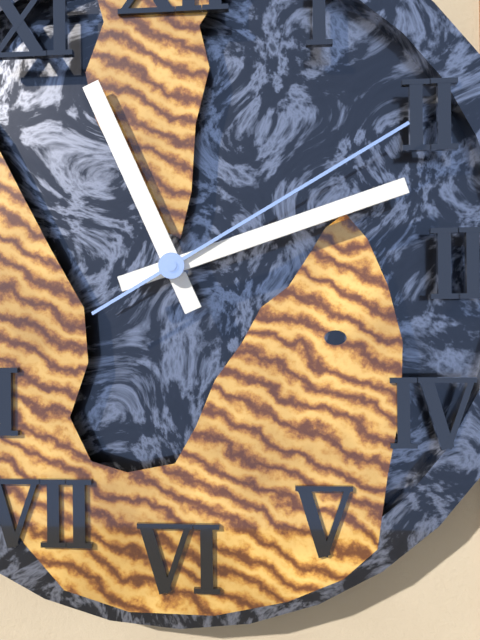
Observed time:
h=11 m=12 s=10
